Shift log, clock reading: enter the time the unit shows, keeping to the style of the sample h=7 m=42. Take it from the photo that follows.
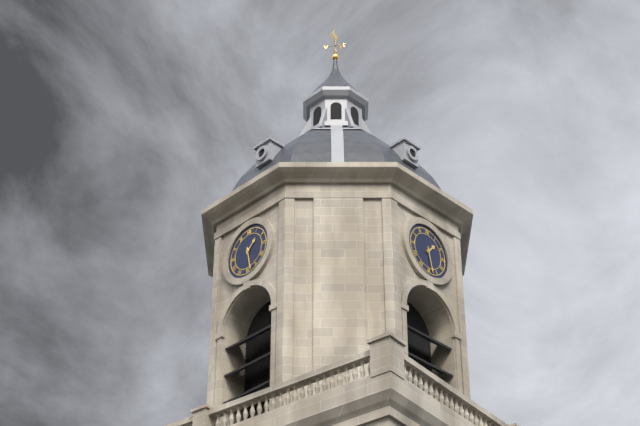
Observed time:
h=1 m=28
